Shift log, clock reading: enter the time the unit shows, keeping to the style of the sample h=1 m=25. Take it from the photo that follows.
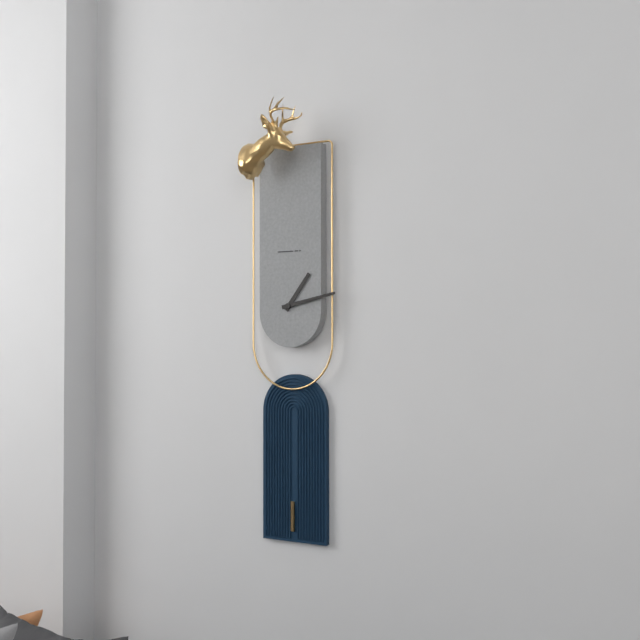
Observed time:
h=1 m=13
